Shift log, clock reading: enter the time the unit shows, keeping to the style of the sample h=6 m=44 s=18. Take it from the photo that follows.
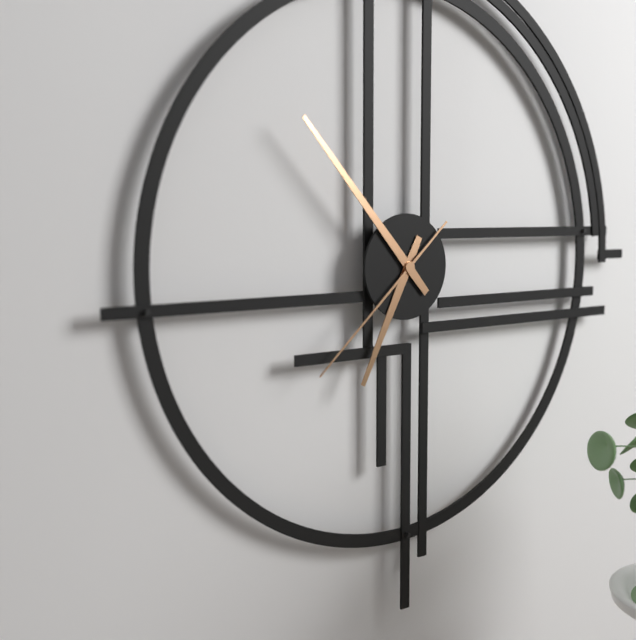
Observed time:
h=6 m=53 s=38
